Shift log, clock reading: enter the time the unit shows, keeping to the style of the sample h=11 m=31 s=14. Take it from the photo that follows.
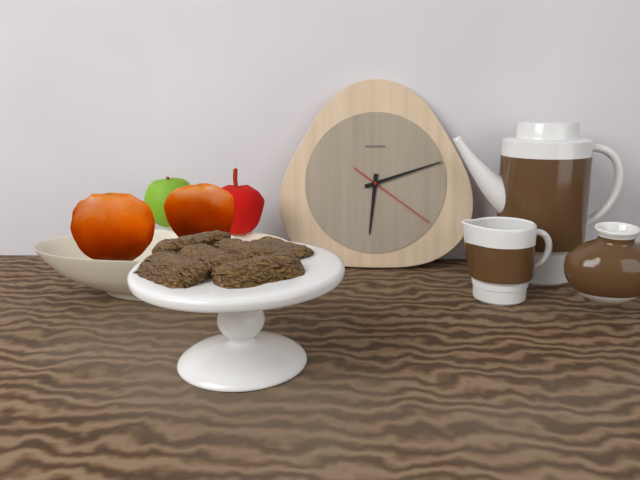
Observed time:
h=6 m=12 s=21
